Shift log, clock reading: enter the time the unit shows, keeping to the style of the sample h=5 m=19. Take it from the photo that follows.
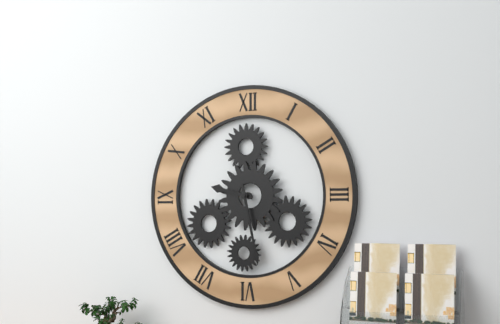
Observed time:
h=9 m=28
